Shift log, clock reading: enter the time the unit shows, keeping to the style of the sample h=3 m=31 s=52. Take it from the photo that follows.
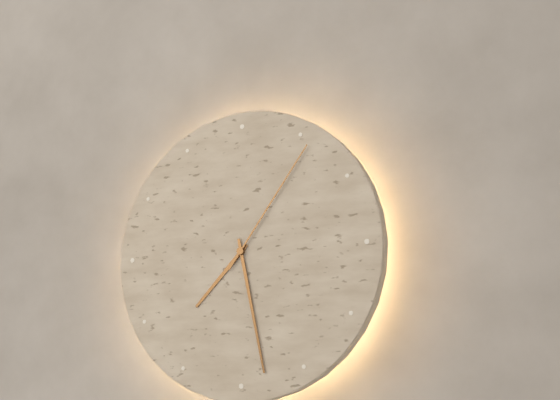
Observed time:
h=7 m=28 s=6
